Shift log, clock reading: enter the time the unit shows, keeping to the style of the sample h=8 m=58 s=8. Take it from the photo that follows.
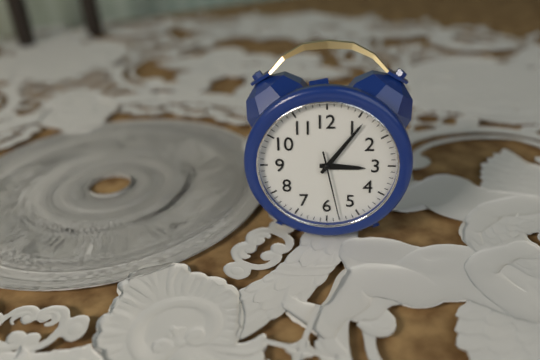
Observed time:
h=3 m=6 s=28
